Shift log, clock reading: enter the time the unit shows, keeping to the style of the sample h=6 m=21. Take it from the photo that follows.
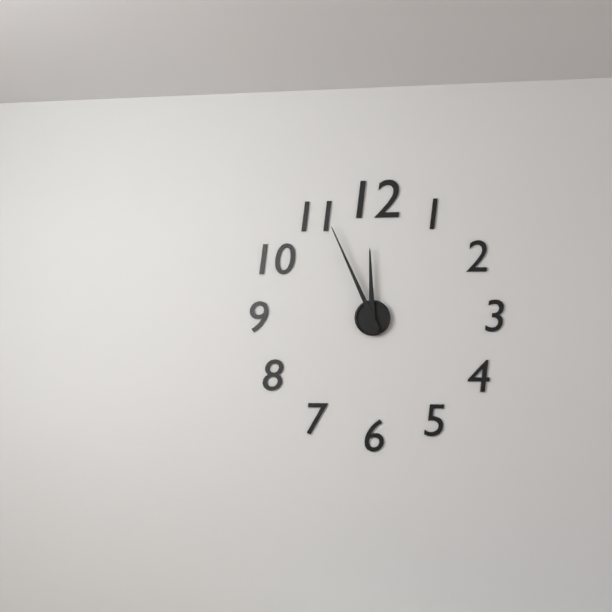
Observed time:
h=11 m=56
